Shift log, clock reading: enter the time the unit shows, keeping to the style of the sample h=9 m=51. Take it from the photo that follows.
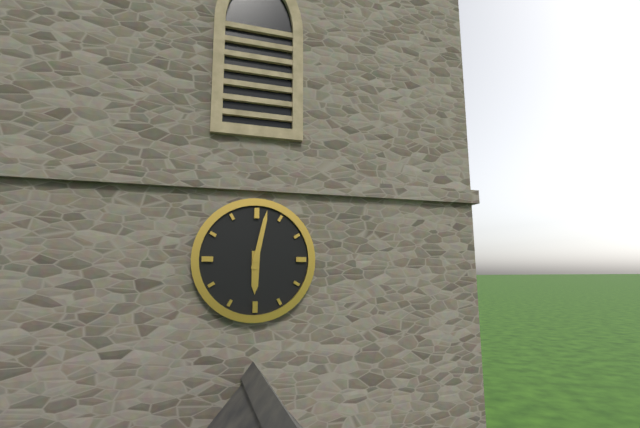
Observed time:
h=6 m=2
